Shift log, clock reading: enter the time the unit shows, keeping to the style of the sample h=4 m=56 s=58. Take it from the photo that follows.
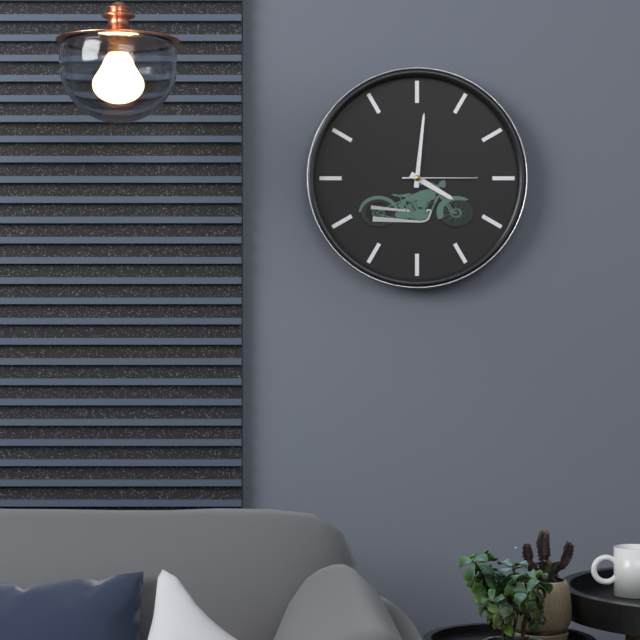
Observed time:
h=4 m=1 s=15
